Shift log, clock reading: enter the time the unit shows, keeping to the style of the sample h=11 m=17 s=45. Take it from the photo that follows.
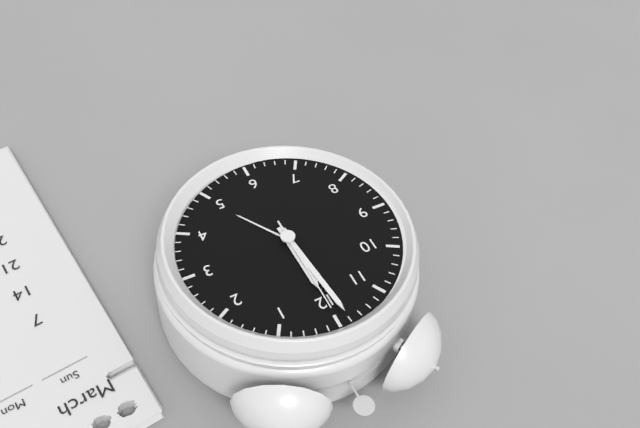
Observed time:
h=11 m=59 s=0
